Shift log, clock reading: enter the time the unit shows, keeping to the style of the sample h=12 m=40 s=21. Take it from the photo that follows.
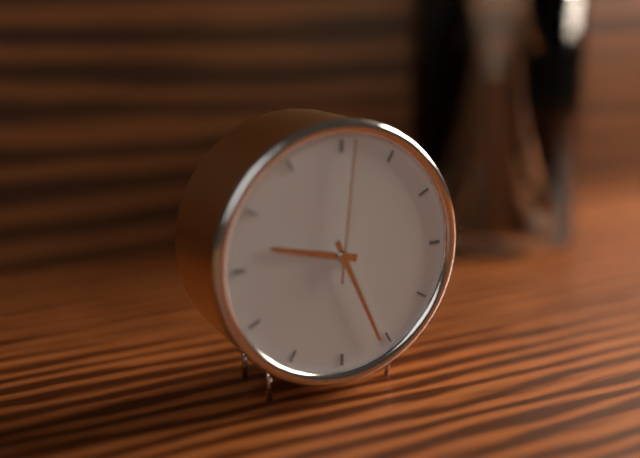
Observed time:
h=9 m=26 s=1
